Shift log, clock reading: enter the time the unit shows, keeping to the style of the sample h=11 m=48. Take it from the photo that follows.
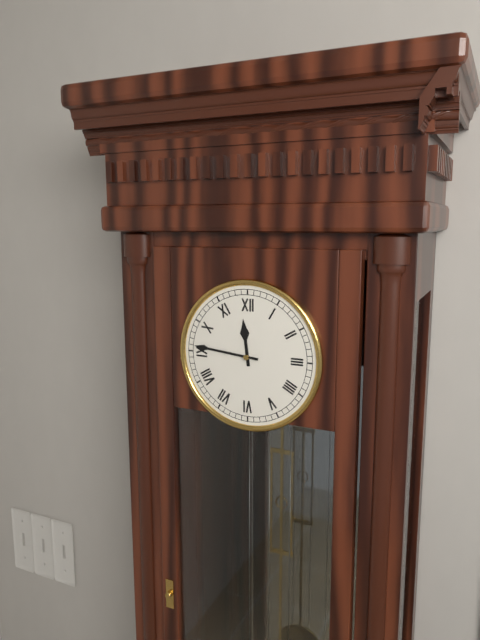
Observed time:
h=11 m=46
